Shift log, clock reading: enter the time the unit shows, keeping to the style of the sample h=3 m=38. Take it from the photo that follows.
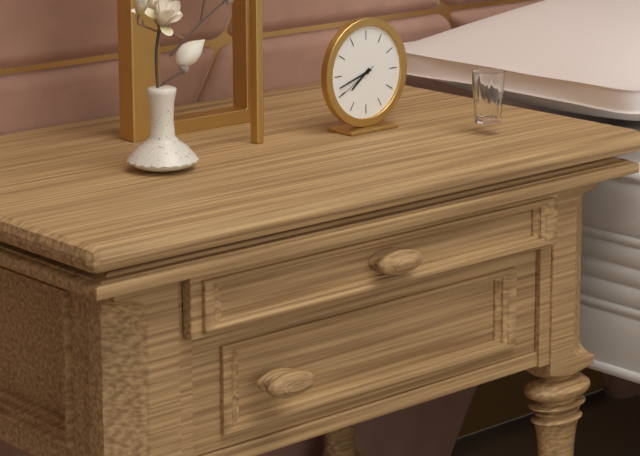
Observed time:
h=7 m=42
